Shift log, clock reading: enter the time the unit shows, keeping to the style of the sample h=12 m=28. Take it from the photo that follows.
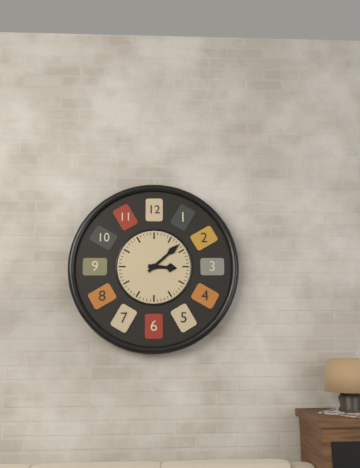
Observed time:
h=3 m=8
